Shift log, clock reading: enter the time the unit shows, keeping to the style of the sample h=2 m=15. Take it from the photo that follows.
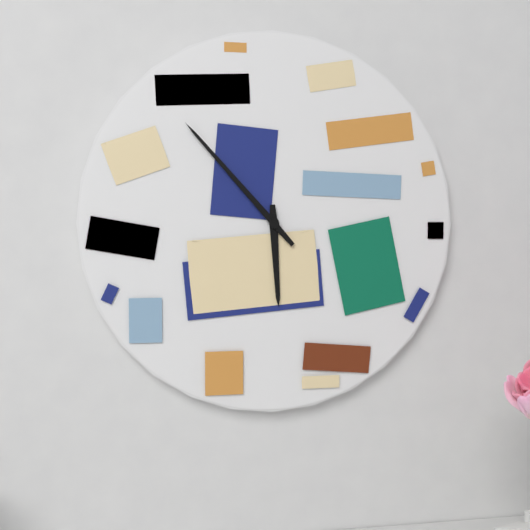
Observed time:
h=5 m=53
